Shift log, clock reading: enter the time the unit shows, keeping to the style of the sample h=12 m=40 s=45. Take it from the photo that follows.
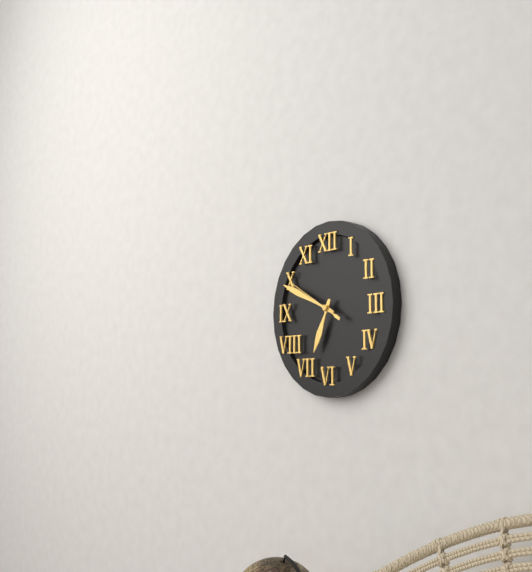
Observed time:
h=6 m=49 s=50
